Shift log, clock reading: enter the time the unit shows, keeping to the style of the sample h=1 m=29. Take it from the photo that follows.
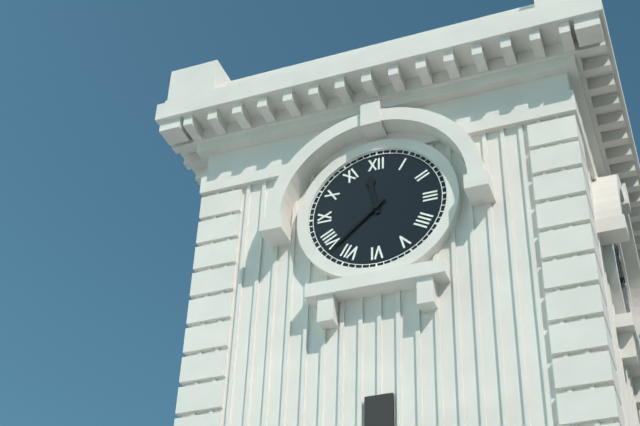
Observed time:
h=11 m=38
